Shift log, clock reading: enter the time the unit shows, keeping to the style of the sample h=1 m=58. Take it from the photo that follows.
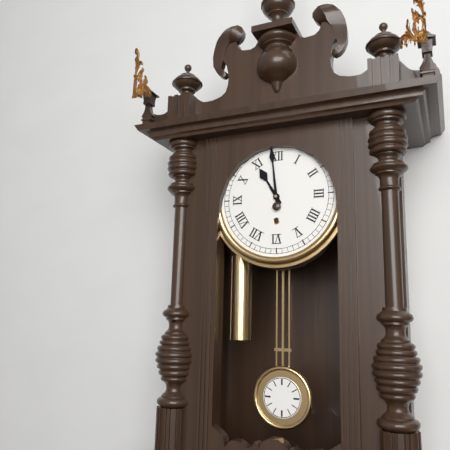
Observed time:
h=10 m=59
